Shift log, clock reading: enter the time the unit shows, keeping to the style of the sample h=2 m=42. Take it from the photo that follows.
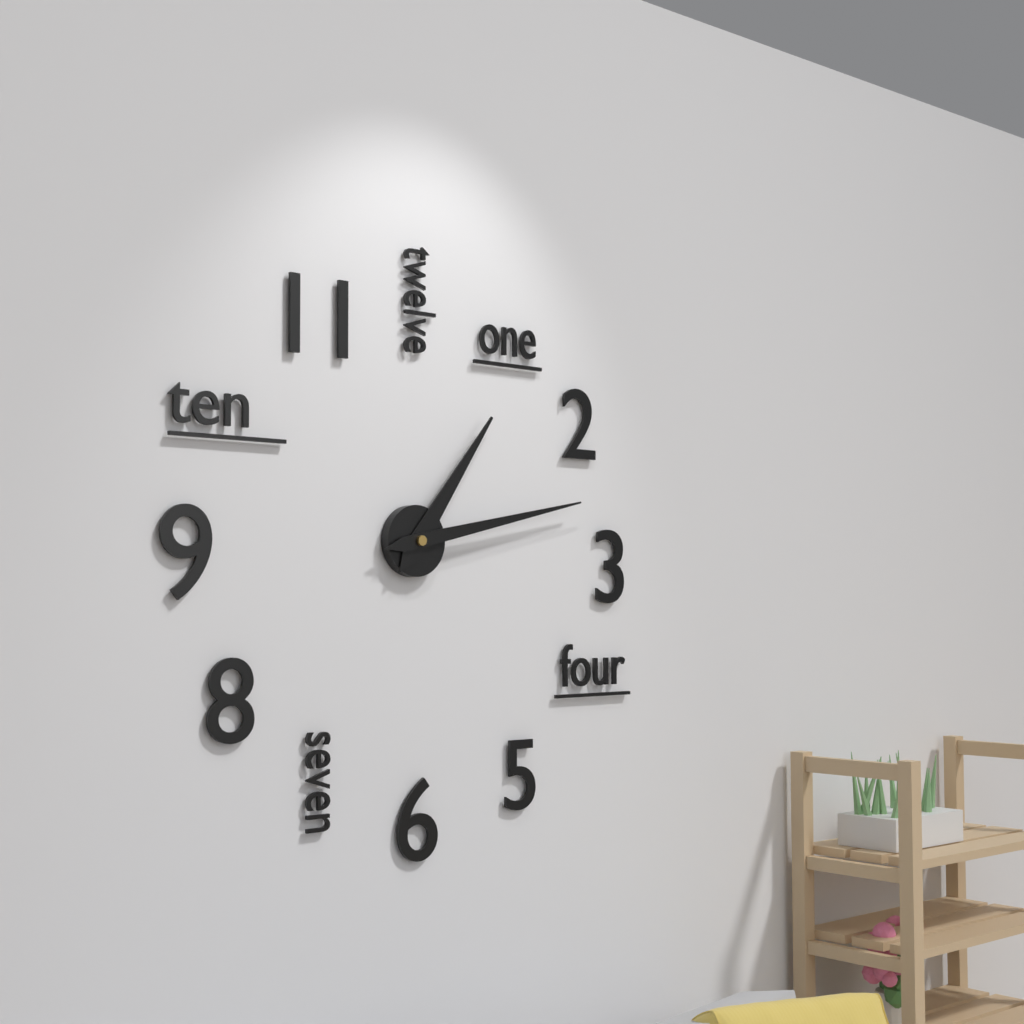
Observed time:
h=1 m=13
